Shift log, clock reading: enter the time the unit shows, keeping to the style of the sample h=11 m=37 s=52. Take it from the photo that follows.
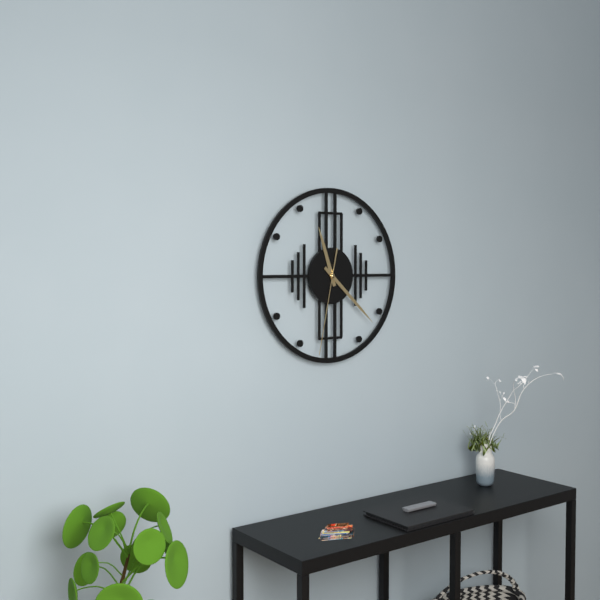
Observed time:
h=11 m=22 s=32
